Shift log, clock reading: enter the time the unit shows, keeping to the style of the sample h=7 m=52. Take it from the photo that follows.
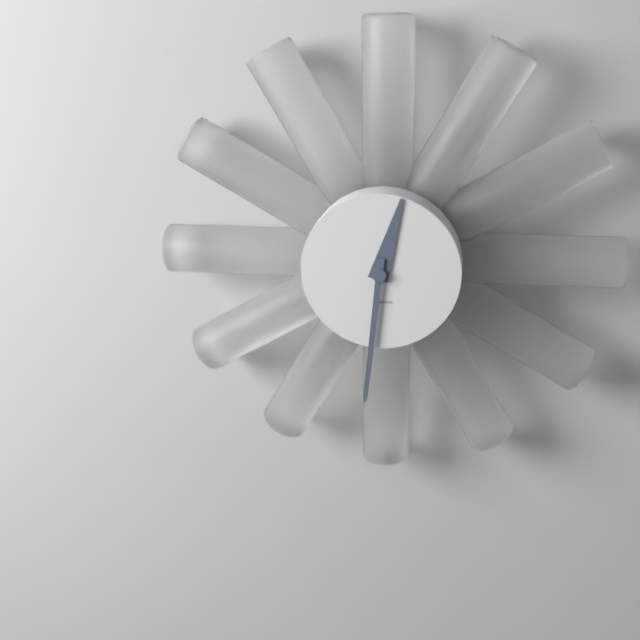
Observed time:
h=12 m=31
